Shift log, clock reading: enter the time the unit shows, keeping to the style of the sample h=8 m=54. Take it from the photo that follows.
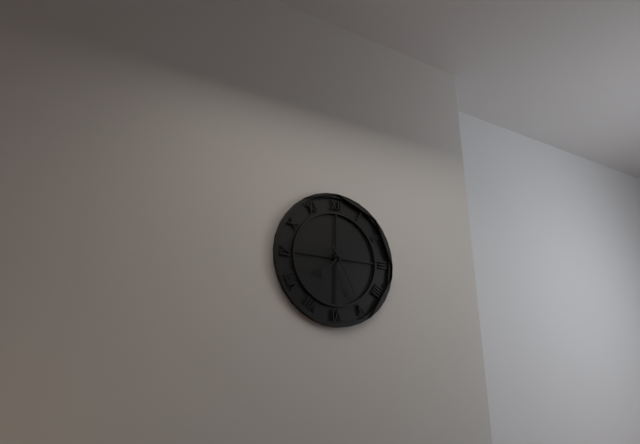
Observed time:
h=7 m=25
